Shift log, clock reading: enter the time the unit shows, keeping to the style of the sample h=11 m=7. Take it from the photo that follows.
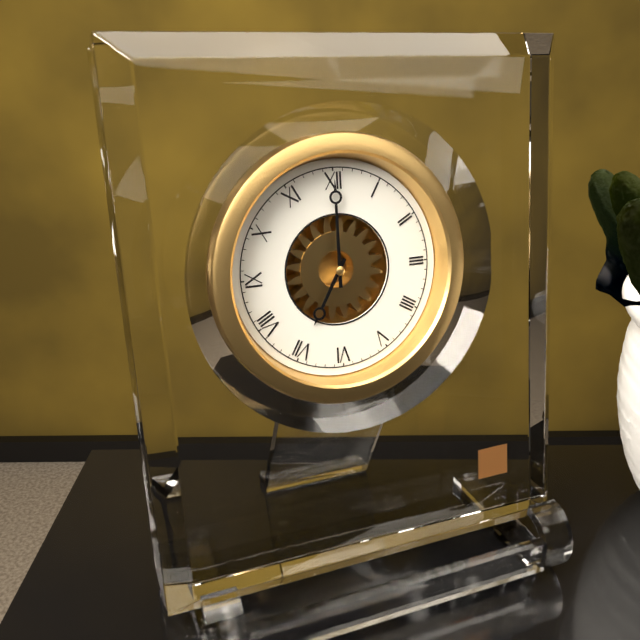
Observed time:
h=7 m=0
